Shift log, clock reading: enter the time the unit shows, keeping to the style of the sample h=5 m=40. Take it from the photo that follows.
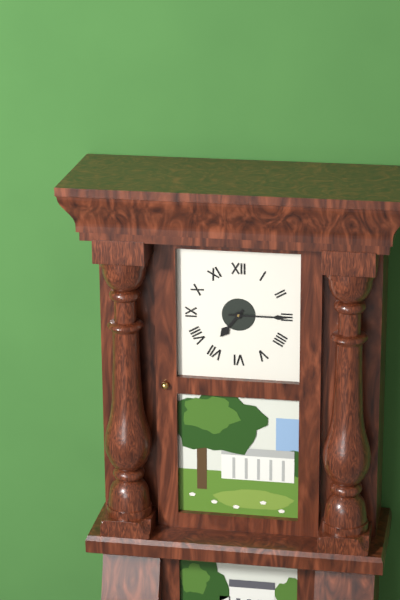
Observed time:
h=7 m=15
